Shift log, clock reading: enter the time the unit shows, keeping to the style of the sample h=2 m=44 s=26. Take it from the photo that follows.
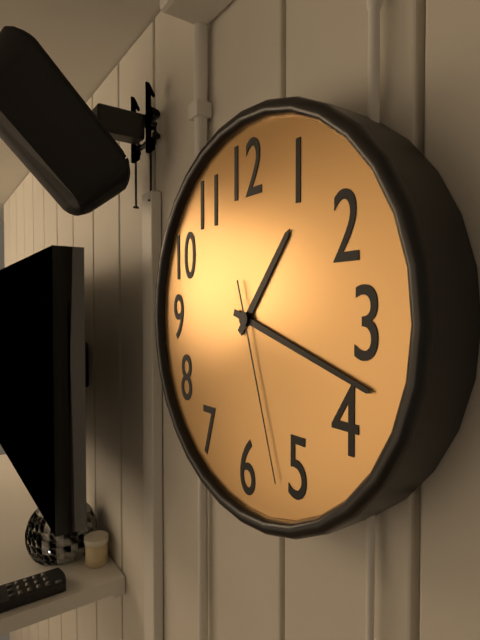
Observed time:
h=1 m=18 s=27
